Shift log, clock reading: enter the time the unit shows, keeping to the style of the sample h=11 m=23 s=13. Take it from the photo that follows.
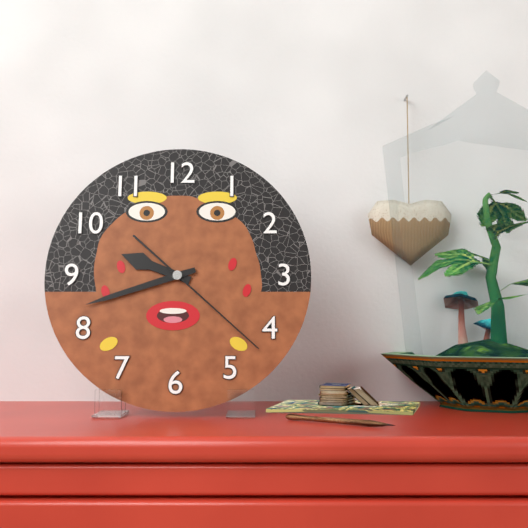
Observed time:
h=9 m=42 s=22
